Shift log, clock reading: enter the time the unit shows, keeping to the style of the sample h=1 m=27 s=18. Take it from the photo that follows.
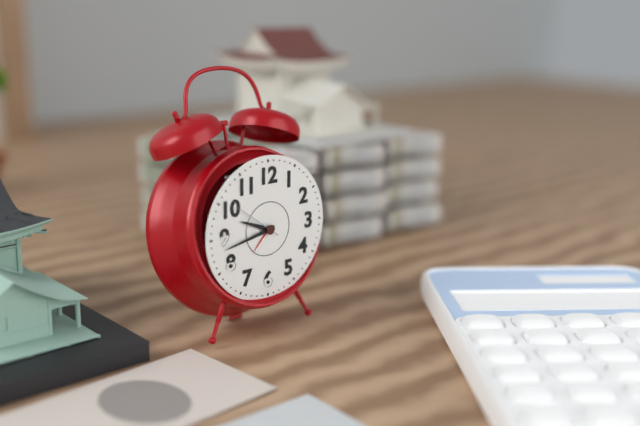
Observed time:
h=9 m=43 s=51
